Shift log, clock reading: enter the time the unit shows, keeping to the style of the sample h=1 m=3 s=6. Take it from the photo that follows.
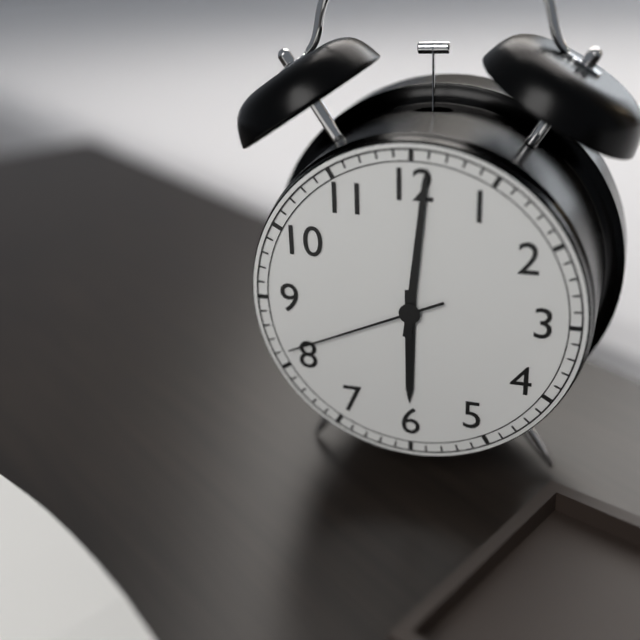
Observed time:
h=6 m=1 s=41
